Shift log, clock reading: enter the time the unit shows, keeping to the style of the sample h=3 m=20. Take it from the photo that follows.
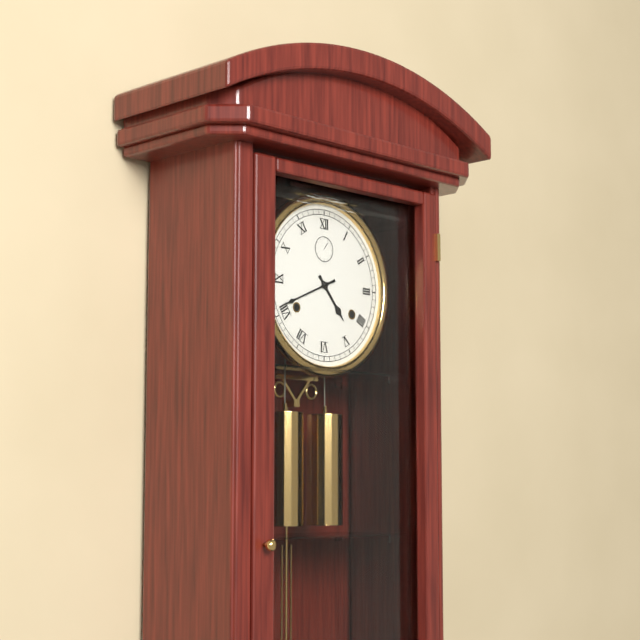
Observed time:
h=4 m=41
